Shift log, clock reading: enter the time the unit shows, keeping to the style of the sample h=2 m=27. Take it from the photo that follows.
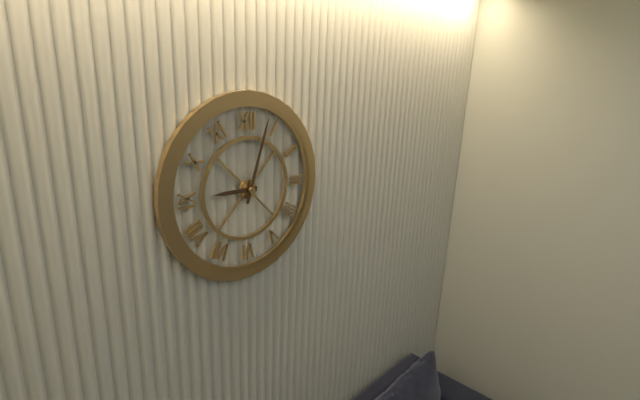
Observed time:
h=9 m=3
